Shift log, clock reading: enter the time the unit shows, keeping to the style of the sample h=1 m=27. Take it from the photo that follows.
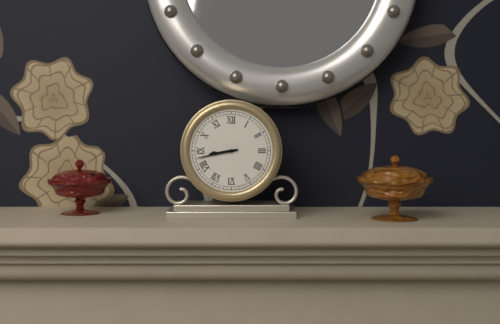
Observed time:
h=8 m=43
